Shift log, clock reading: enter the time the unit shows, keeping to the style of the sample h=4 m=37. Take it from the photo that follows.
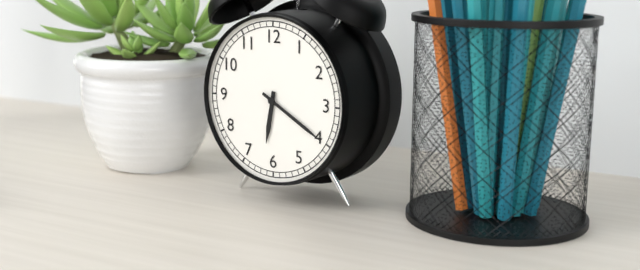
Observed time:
h=6 m=20
